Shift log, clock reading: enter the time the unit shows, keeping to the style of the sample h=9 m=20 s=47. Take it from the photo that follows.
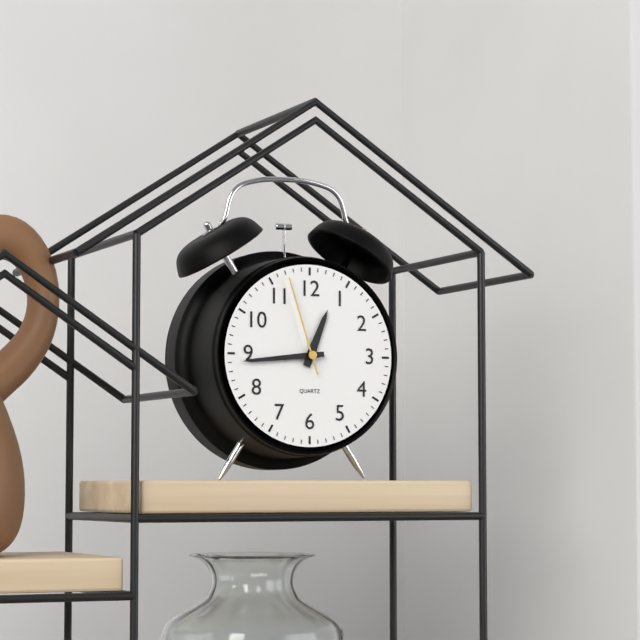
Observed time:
h=12 m=44 s=57
